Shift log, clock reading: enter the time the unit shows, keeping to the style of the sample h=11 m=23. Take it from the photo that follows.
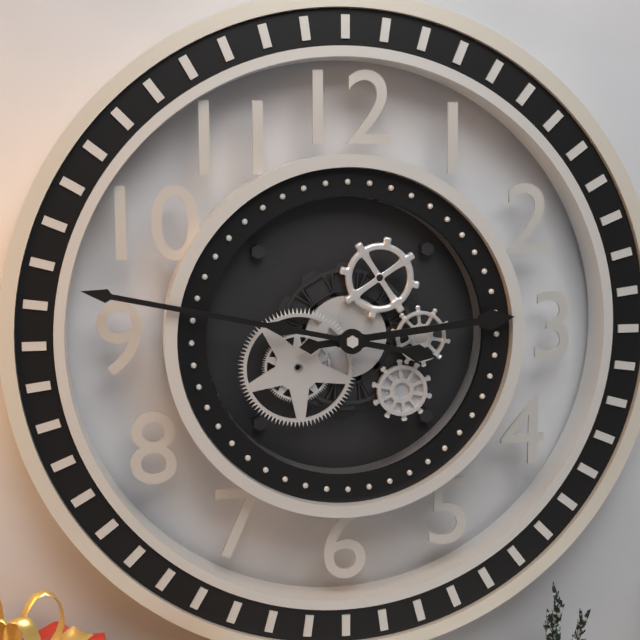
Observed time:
h=2 m=47
